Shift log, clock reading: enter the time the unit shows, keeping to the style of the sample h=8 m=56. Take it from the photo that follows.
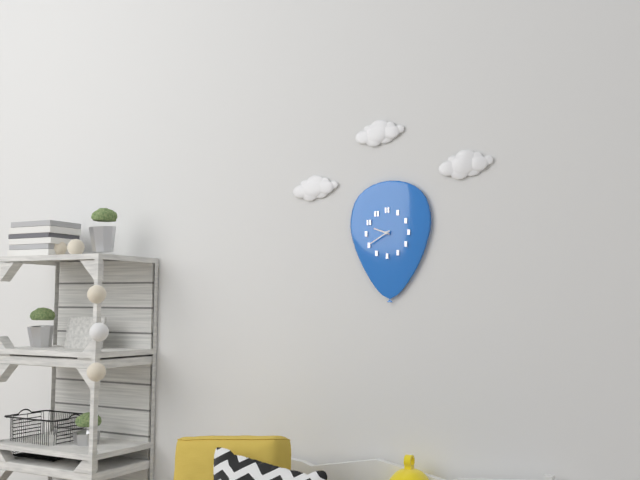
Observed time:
h=9 m=40
